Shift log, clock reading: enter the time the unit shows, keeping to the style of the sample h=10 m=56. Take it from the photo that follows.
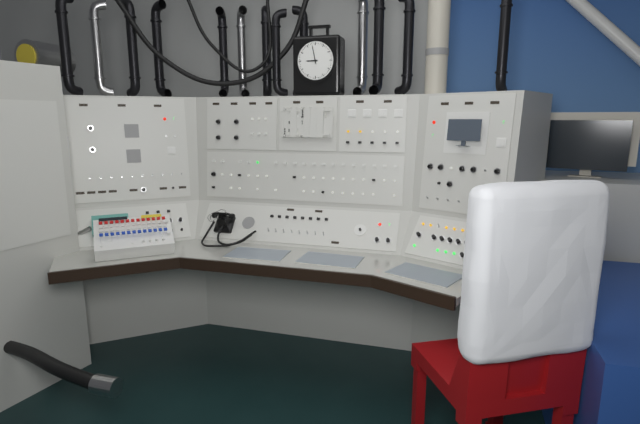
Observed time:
h=8 m=58
